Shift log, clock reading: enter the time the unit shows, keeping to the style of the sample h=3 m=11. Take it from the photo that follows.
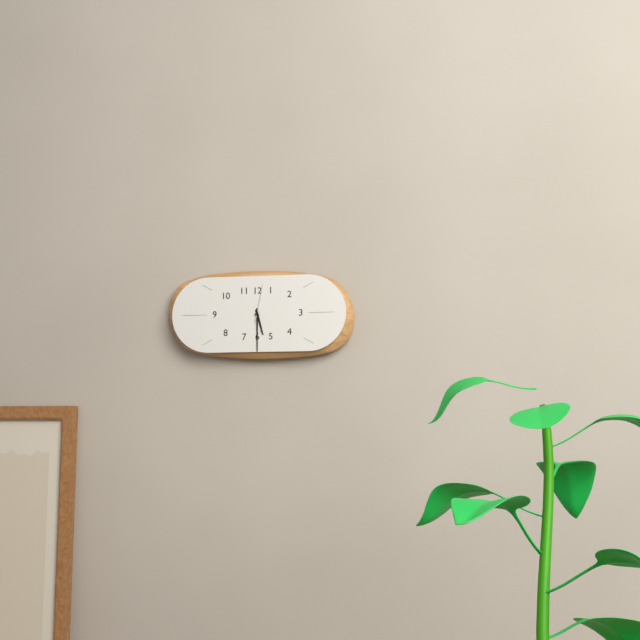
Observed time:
h=5 m=30
